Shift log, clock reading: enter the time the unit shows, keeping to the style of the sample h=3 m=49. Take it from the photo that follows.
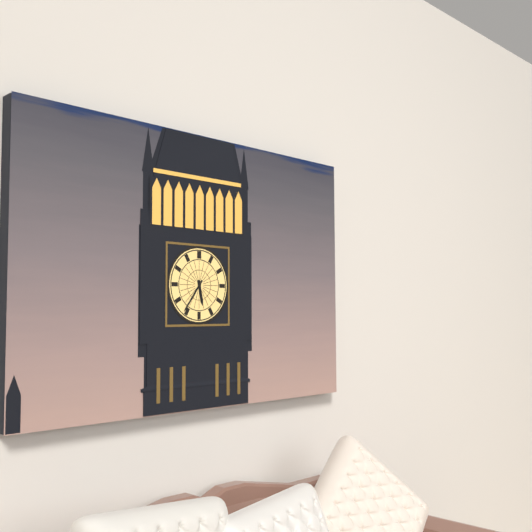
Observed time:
h=5 m=36
